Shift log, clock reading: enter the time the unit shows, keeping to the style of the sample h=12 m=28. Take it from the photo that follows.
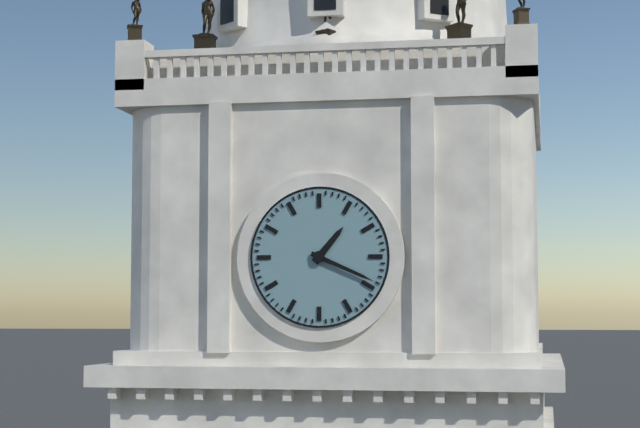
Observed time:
h=1 m=19
